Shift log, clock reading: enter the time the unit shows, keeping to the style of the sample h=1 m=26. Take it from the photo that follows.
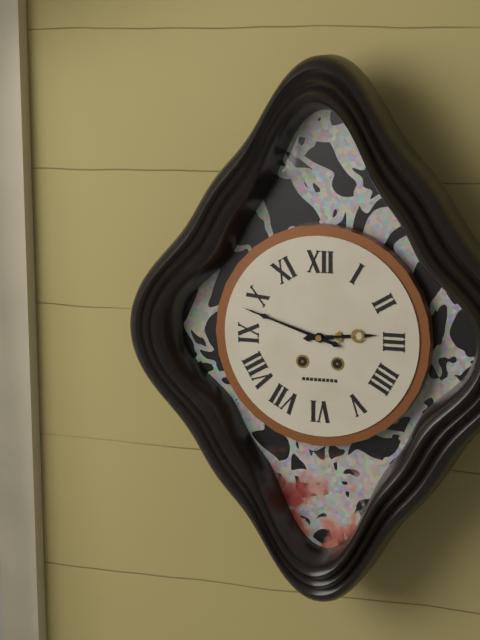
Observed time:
h=2 m=48
